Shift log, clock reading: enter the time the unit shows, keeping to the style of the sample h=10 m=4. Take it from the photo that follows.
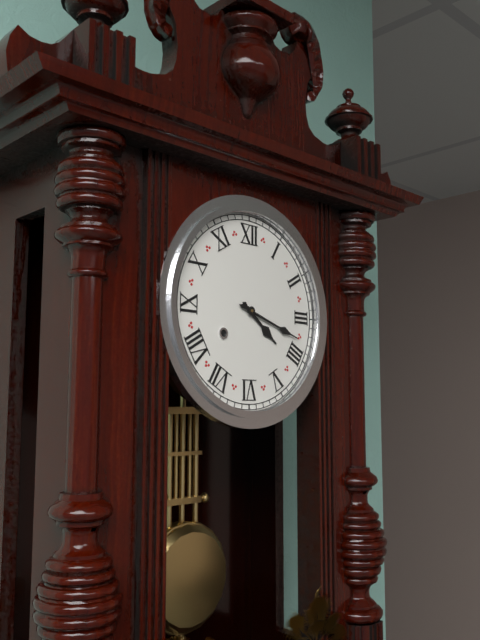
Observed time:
h=4 m=18
